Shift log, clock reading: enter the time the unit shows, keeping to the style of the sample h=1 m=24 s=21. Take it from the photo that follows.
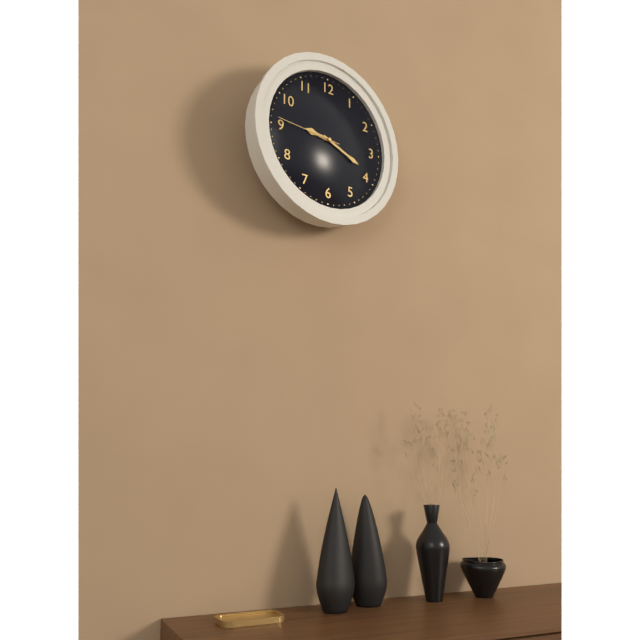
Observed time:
h=9 m=19 s=46
